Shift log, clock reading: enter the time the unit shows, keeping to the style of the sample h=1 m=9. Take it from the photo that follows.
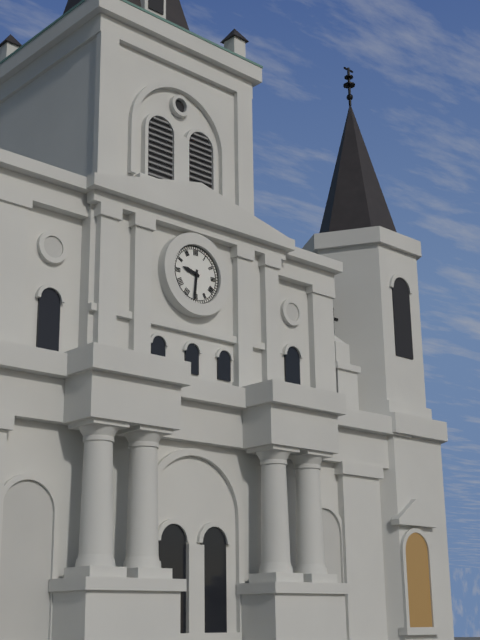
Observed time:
h=9 m=31
